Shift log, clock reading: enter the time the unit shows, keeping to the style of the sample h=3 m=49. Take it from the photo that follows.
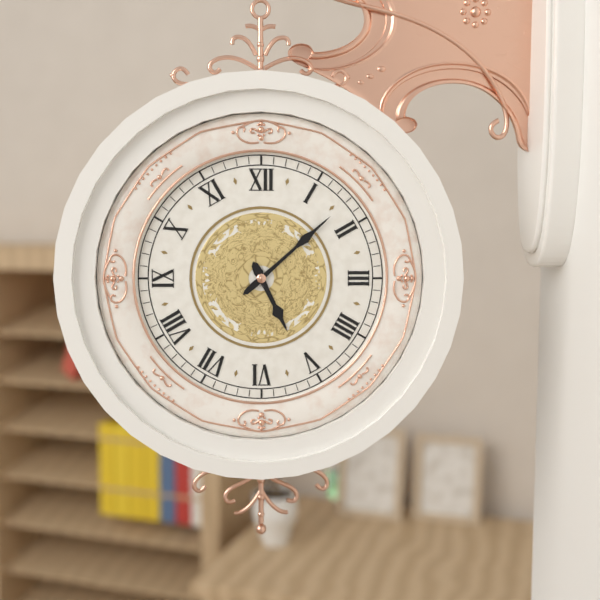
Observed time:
h=5 m=8
